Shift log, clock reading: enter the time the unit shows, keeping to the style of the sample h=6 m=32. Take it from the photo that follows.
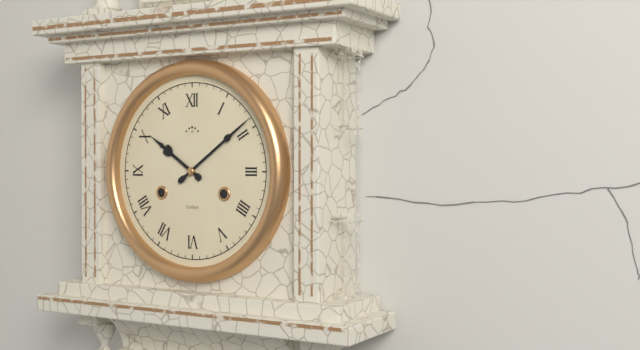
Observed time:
h=10 m=9
